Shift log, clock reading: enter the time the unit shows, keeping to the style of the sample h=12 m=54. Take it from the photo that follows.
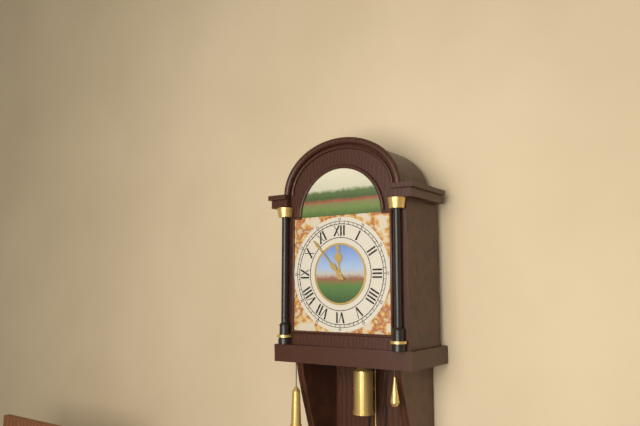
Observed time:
h=11 m=53
